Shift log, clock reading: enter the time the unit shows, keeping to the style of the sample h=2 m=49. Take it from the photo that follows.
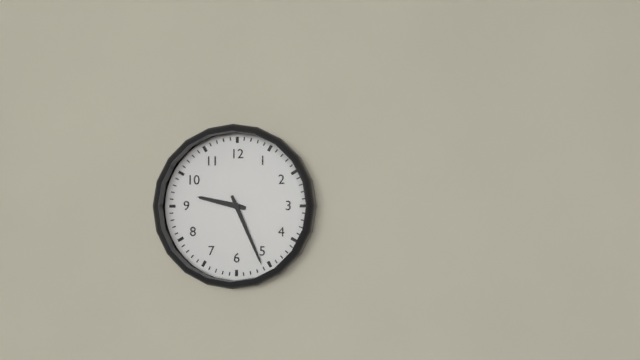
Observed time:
h=9 m=26
